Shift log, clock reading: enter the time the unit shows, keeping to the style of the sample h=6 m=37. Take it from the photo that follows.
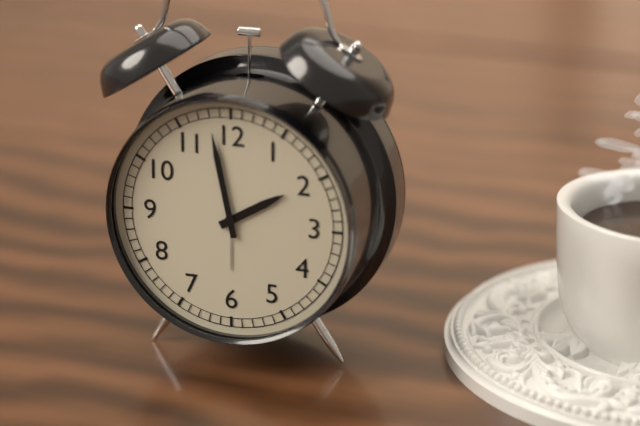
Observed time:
h=1 m=58
